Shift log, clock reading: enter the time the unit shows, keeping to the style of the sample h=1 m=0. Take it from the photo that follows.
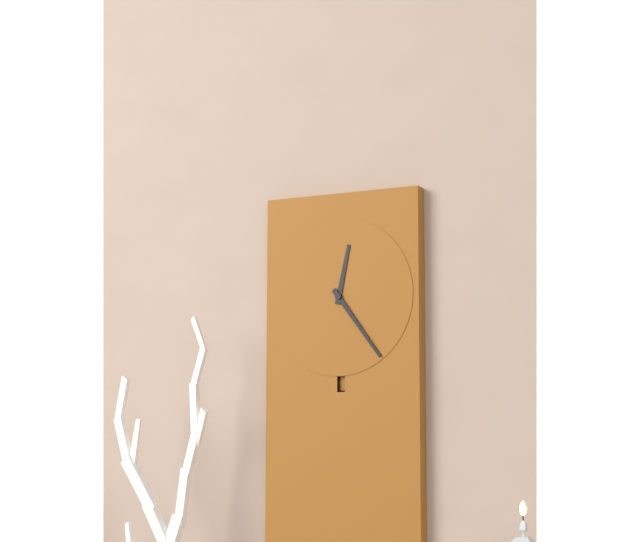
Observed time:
h=12 m=24
